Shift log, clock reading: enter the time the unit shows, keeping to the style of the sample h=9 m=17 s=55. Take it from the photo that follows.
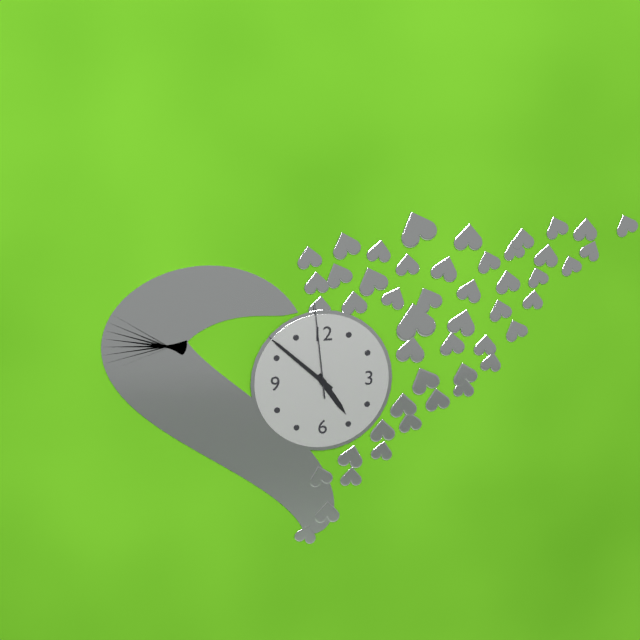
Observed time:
h=4 m=52 s=59
